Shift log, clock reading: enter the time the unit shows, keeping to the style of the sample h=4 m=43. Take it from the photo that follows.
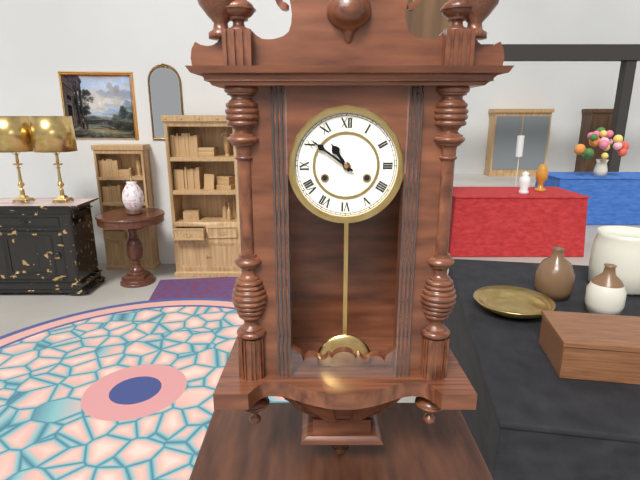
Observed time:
h=10 m=51
